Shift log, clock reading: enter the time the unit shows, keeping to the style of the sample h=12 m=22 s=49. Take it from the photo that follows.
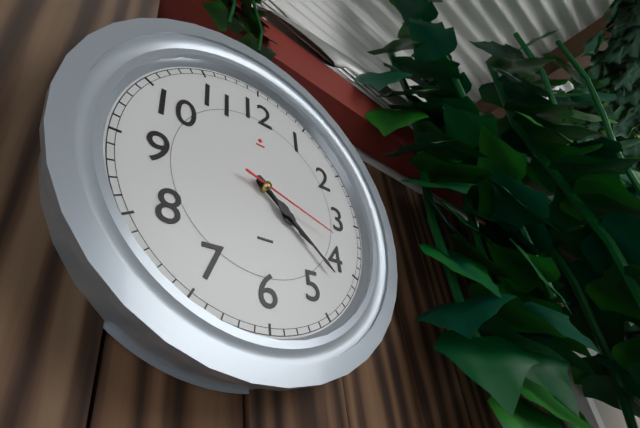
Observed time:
h=4 m=22 s=18
